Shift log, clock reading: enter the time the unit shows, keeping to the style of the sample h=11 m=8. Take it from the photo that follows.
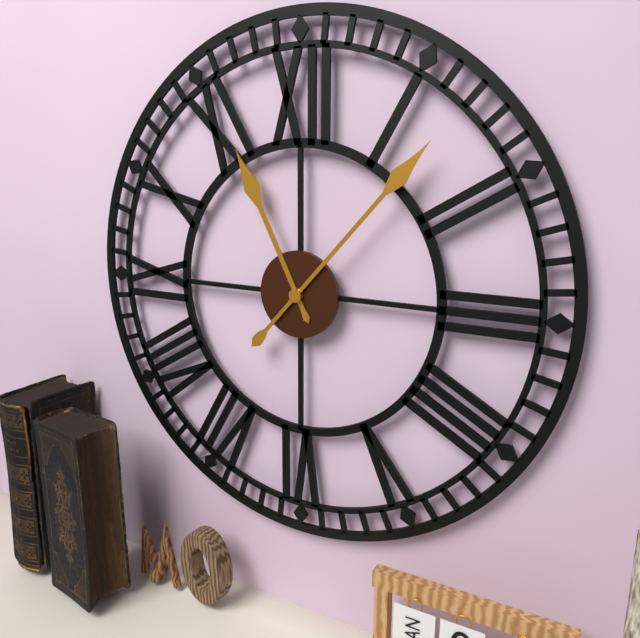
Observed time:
h=11 m=7
